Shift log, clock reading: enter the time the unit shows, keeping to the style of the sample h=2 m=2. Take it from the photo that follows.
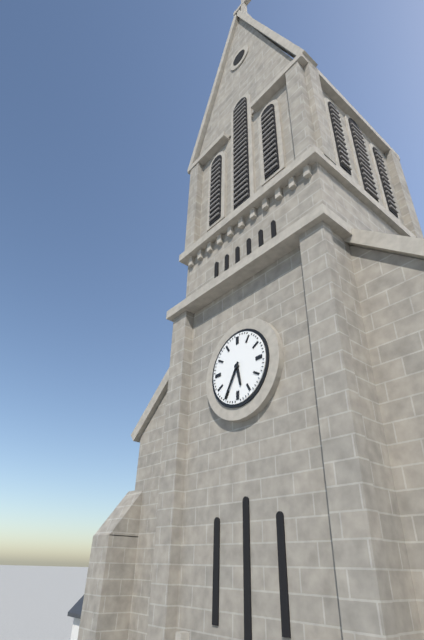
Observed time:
h=5 m=35
